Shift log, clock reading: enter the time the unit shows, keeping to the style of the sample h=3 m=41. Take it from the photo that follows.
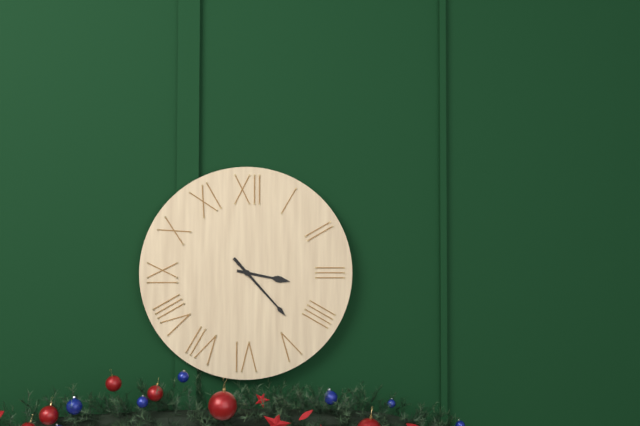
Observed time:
h=3 m=23
